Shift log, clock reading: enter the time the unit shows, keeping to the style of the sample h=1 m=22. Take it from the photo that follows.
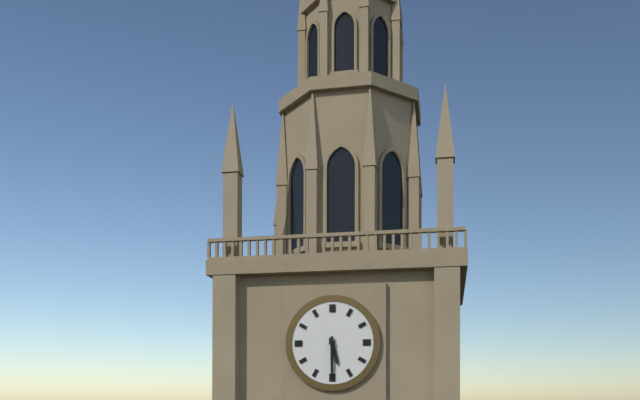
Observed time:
h=5 m=30
